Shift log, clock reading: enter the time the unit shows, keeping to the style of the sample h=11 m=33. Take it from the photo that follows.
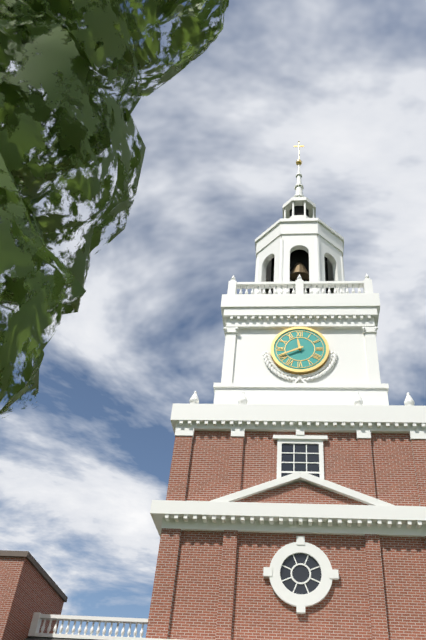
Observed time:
h=11 m=41
